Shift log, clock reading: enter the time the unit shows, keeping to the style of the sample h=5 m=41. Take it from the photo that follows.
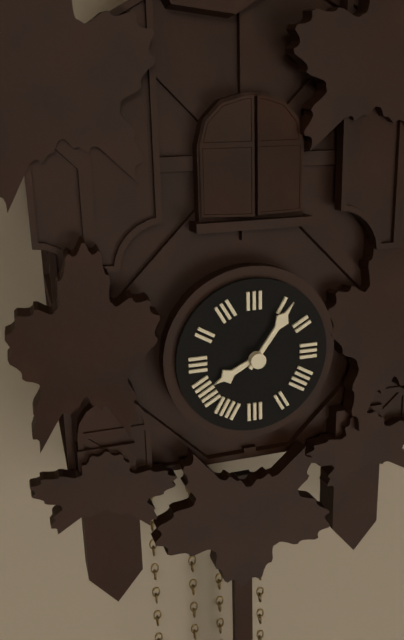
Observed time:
h=8 m=6
